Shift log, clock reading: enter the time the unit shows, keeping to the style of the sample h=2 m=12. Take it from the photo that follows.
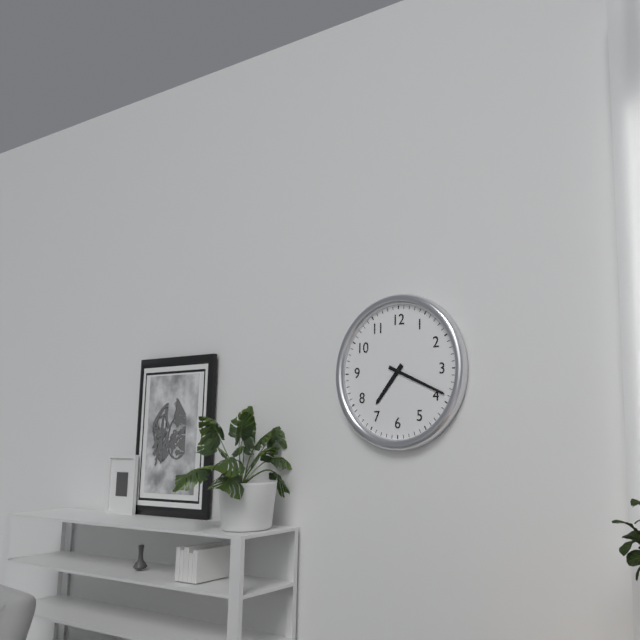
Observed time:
h=7 m=19
